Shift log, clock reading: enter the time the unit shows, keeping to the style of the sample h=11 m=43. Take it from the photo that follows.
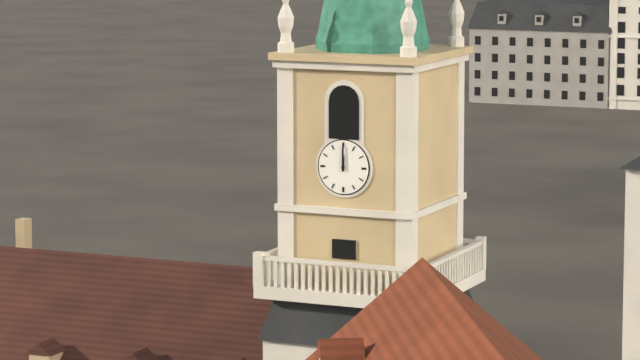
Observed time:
h=12 m=0
